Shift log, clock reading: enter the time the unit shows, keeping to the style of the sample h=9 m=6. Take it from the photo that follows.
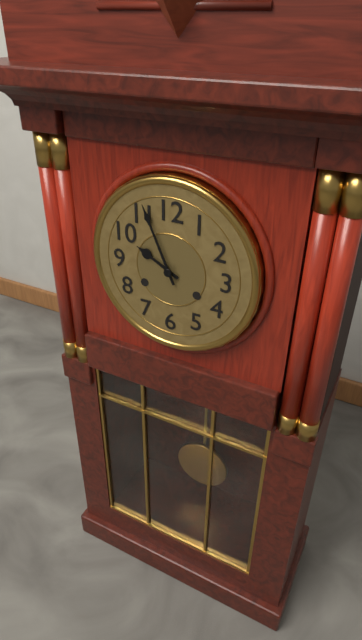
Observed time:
h=9 m=56
